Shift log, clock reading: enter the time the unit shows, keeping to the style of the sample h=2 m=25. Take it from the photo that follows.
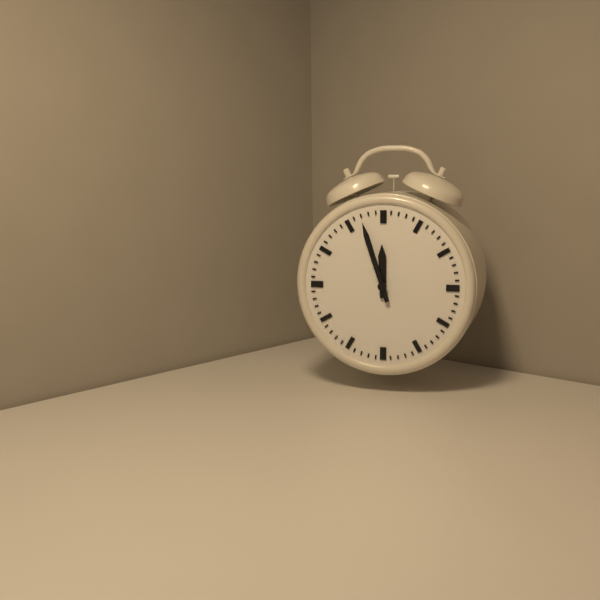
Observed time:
h=11 m=57
